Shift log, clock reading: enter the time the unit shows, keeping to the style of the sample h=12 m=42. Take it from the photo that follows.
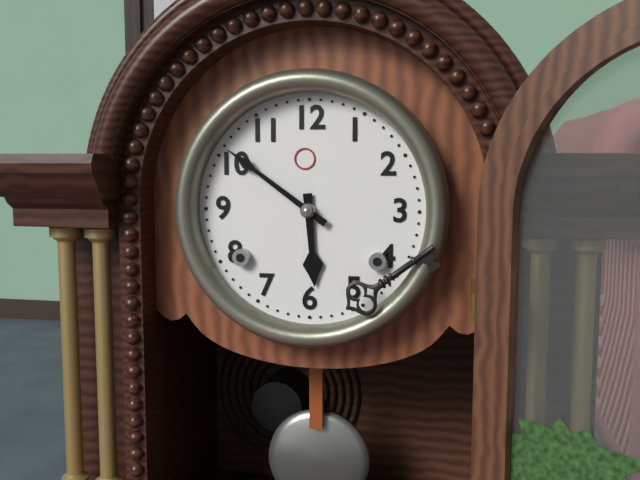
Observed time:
h=5 m=51
